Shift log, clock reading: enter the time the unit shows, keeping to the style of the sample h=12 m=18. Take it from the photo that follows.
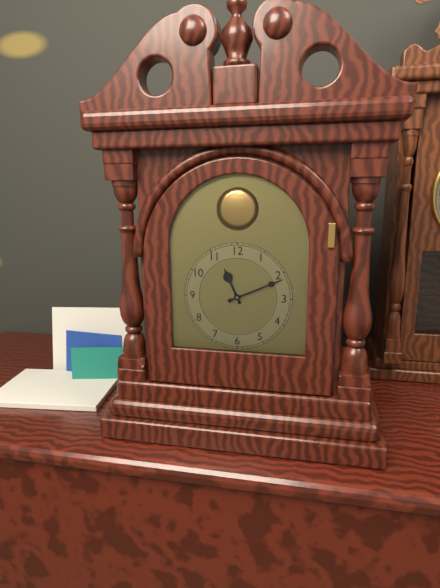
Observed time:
h=11 m=11
